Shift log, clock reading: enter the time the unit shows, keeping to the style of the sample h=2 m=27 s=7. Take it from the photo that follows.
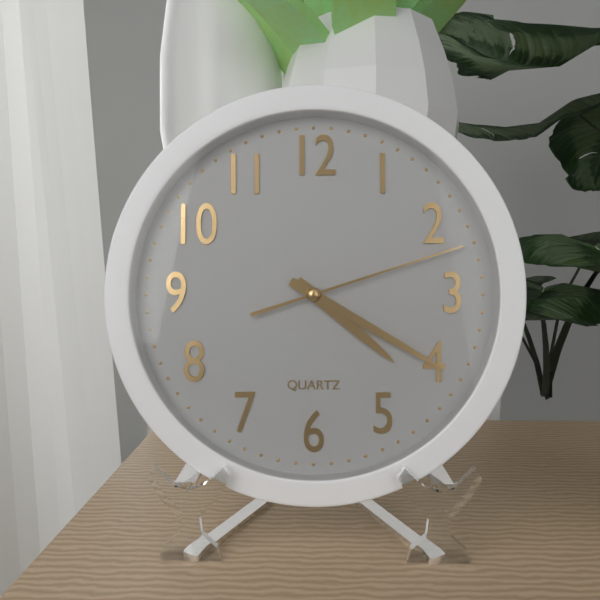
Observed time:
h=4 m=20 s=12
